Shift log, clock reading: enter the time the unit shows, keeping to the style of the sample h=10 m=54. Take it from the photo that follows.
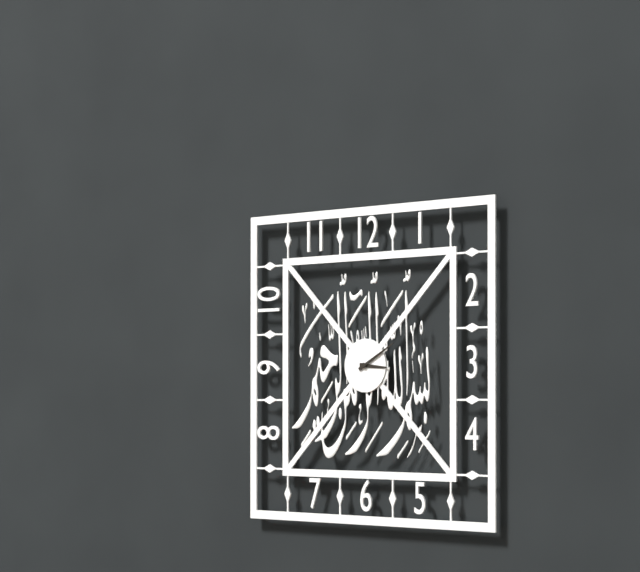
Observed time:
h=3 m=10
